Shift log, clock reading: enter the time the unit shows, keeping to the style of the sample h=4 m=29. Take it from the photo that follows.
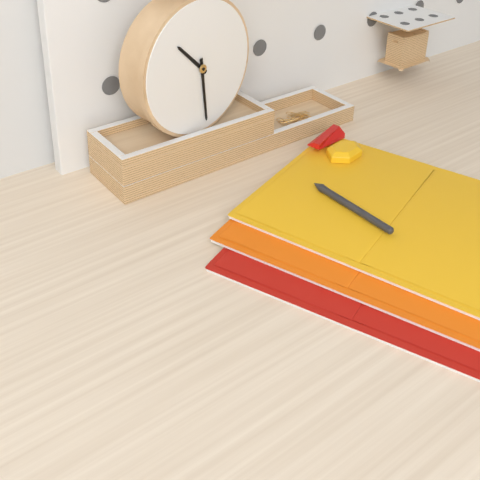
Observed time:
h=10 m=29
